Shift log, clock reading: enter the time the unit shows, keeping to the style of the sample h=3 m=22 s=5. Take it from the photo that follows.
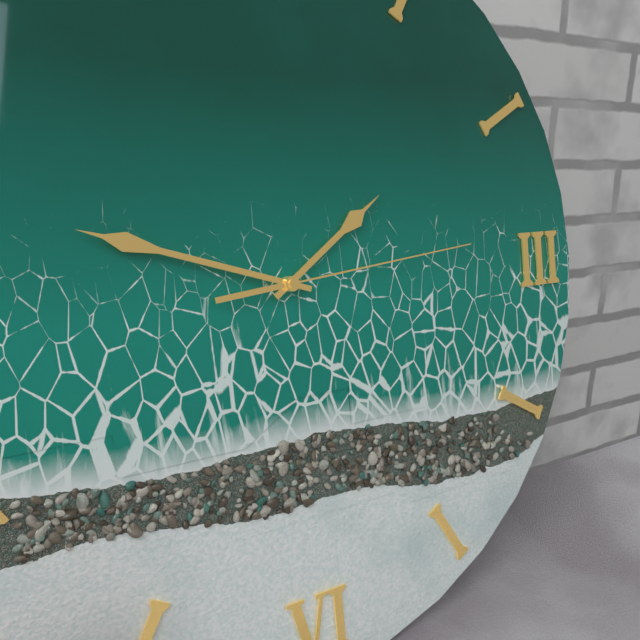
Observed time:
h=1 m=48 s=14
